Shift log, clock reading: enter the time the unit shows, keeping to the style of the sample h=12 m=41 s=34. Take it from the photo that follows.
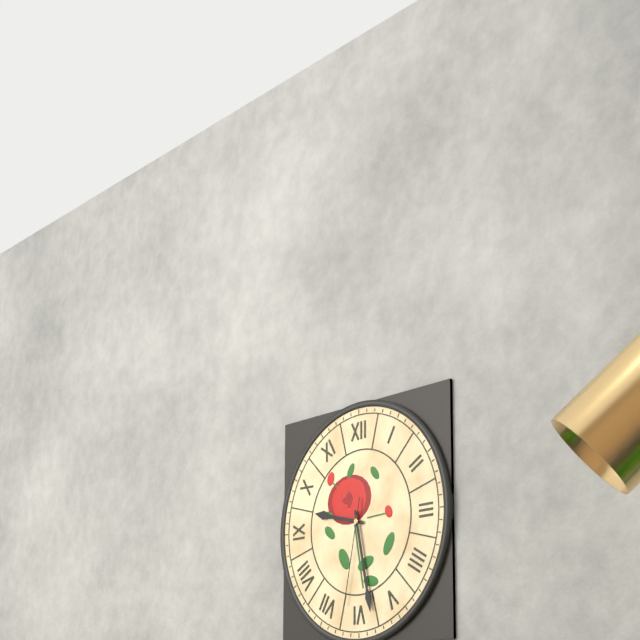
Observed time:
h=9 m=28 s=32
